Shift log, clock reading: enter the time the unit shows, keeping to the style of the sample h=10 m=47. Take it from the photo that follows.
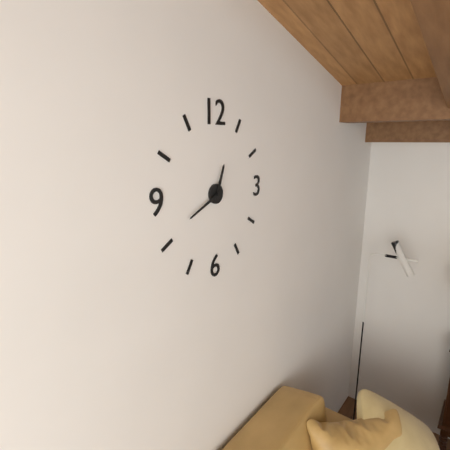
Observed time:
h=12 m=41
